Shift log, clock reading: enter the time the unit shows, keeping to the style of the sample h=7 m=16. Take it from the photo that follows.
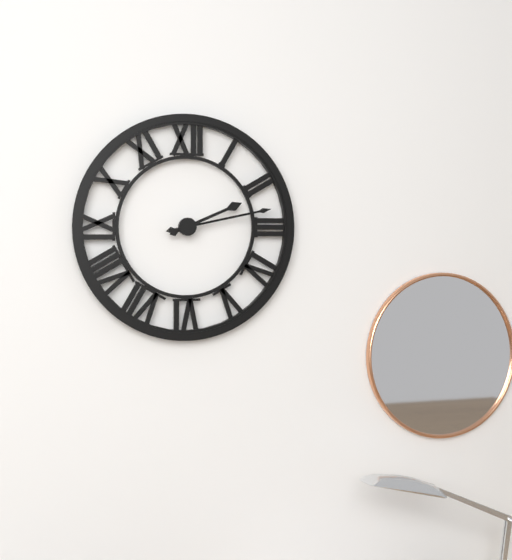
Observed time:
h=2 m=13
